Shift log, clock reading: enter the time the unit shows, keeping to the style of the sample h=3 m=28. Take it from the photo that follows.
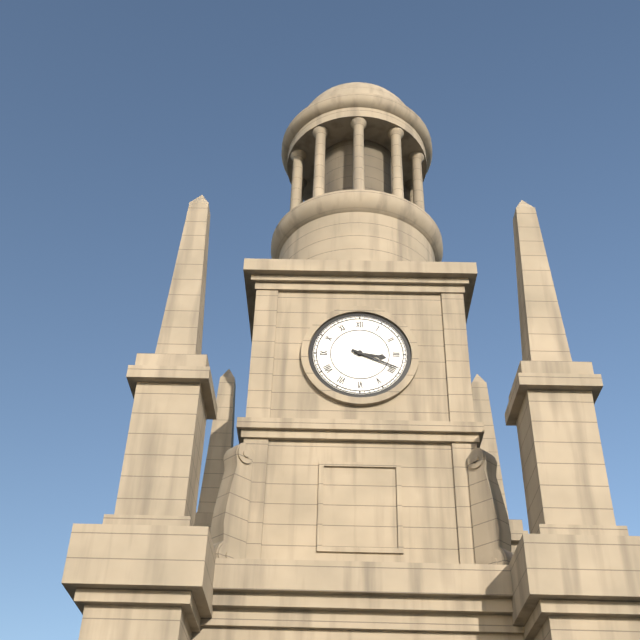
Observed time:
h=3 m=19
